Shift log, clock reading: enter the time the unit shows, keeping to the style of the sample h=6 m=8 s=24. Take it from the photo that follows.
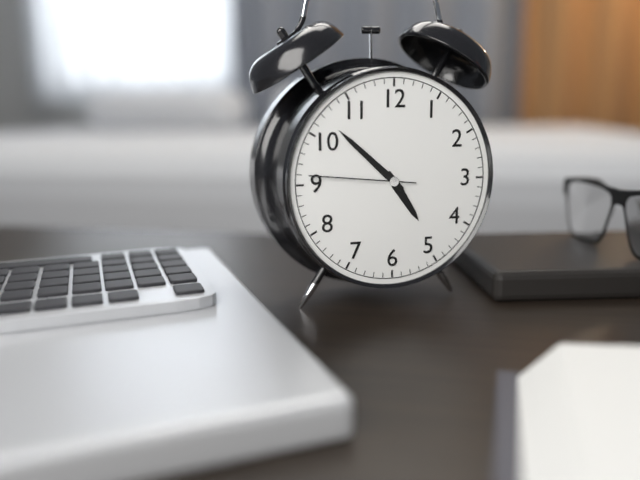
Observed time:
h=4 m=52 s=46
